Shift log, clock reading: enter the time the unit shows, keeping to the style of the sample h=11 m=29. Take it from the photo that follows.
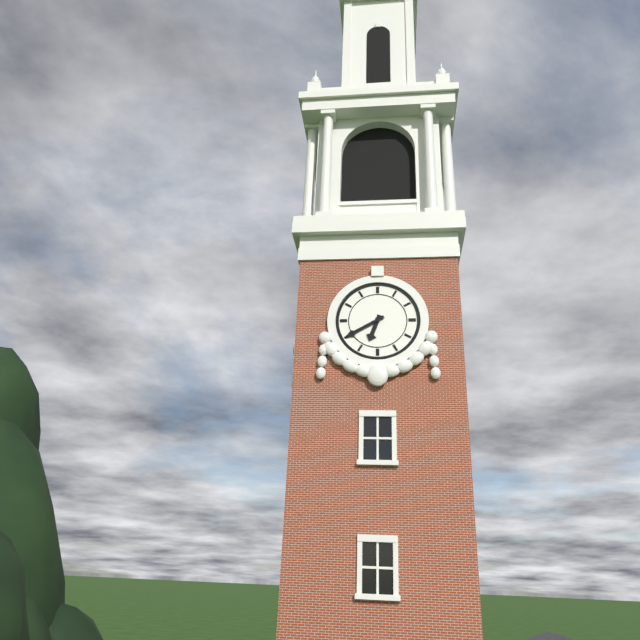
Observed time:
h=6 m=40
